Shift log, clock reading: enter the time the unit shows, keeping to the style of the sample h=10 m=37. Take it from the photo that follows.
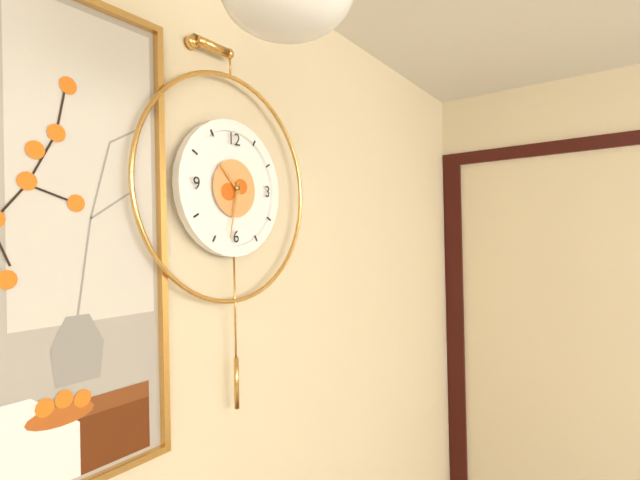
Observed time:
h=10 m=32
